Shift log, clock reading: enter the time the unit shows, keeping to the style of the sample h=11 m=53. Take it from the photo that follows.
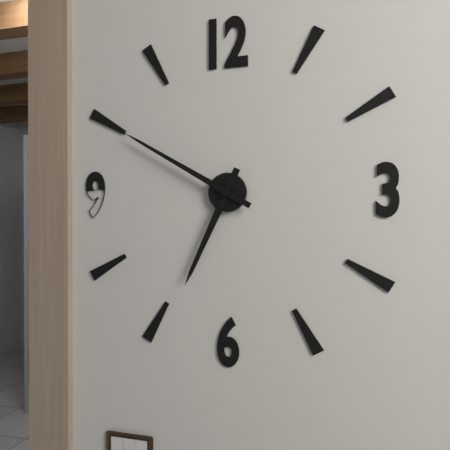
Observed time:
h=6 m=50
